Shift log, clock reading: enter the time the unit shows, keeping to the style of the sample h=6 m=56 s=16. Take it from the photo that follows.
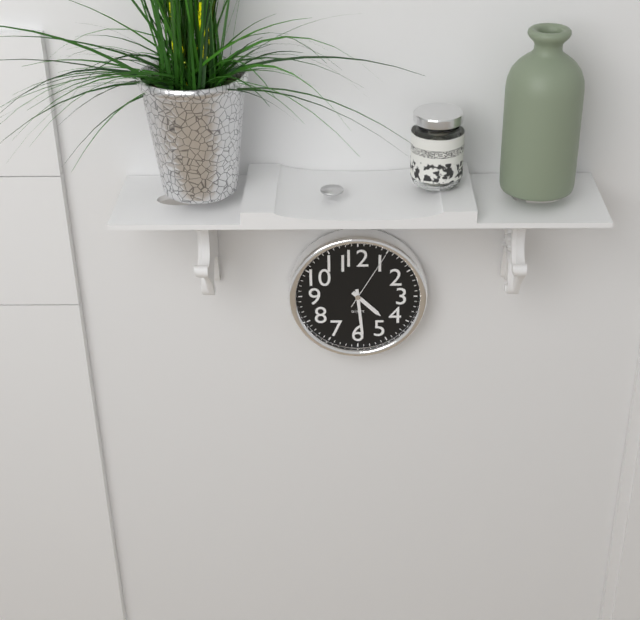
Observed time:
h=4 m=29 s=5
